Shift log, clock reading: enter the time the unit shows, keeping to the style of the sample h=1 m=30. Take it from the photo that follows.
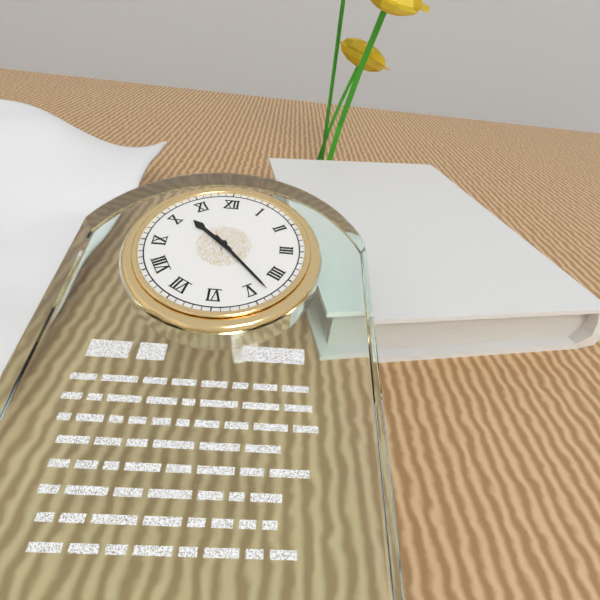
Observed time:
h=10 m=23
